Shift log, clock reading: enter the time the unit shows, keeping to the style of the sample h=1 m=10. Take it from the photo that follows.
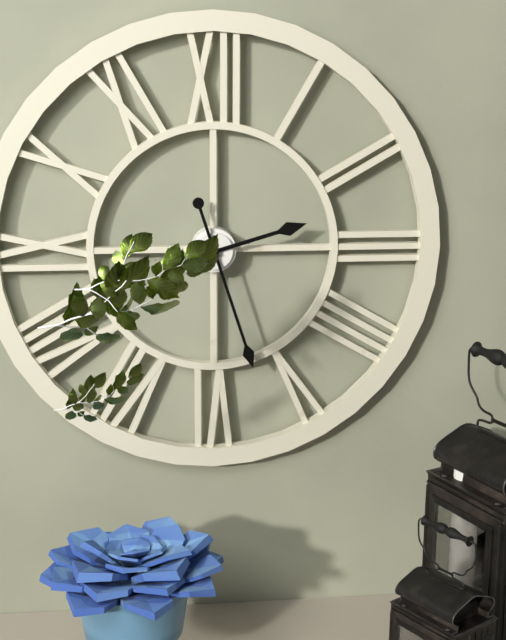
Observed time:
h=2 m=27
